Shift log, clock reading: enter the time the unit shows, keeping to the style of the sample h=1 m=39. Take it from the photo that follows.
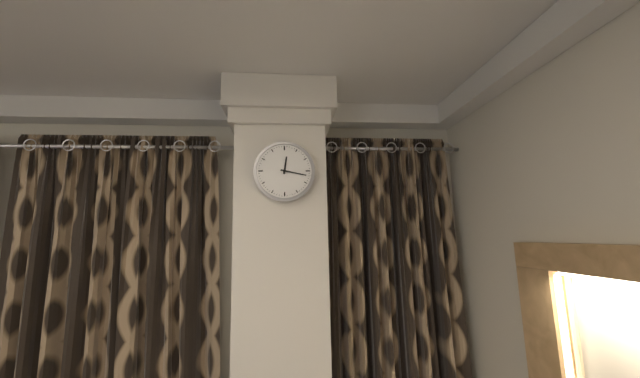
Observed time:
h=12 m=17
